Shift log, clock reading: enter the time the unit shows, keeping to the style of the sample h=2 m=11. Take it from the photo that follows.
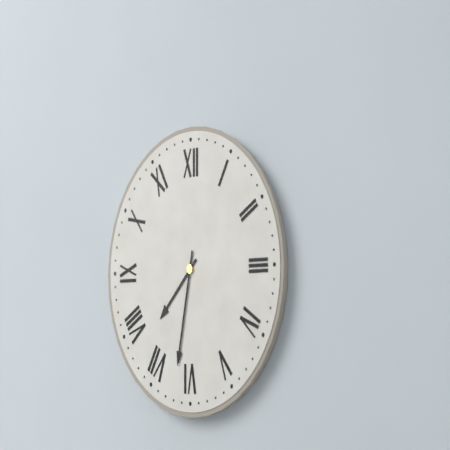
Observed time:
h=7 m=32
